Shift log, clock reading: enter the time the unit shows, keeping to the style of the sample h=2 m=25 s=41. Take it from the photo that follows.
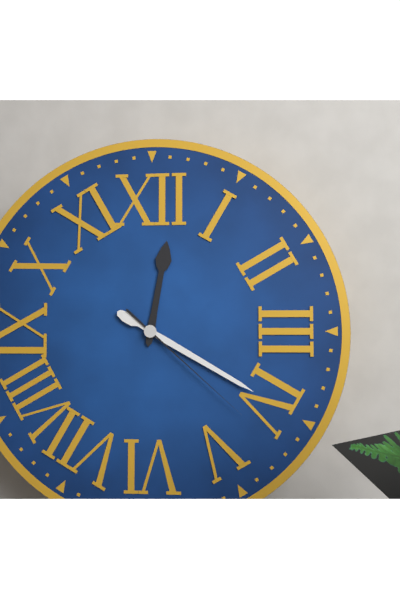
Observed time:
h=12 m=20 s=22
